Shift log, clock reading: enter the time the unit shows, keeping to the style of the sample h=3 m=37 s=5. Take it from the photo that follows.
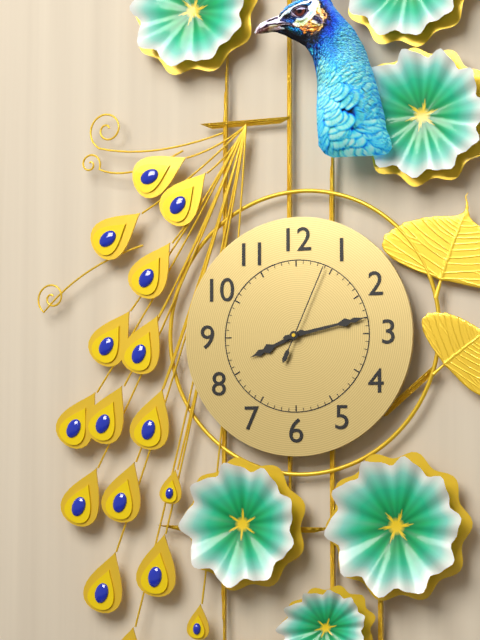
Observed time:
h=8 m=13 s=4
